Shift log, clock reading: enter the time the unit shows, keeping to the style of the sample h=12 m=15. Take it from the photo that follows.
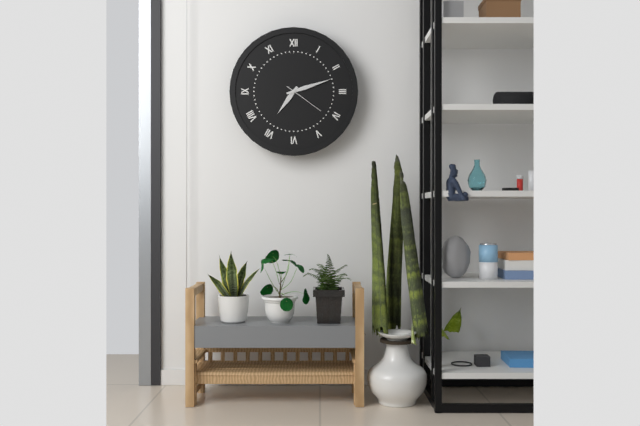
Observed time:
h=7 m=12
